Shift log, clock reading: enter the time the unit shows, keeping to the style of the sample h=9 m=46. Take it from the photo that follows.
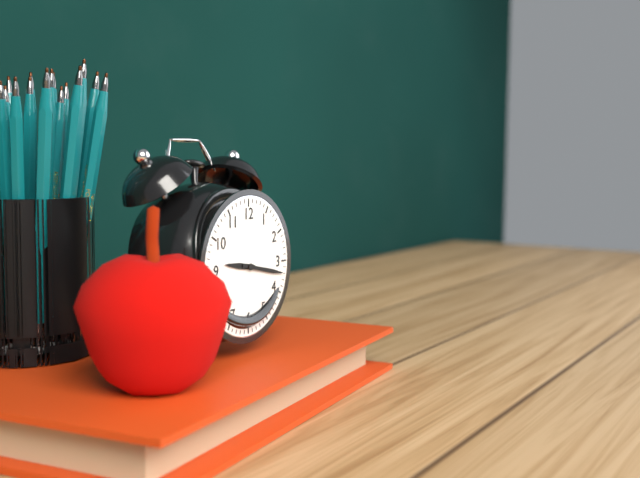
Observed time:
h=9 m=17
